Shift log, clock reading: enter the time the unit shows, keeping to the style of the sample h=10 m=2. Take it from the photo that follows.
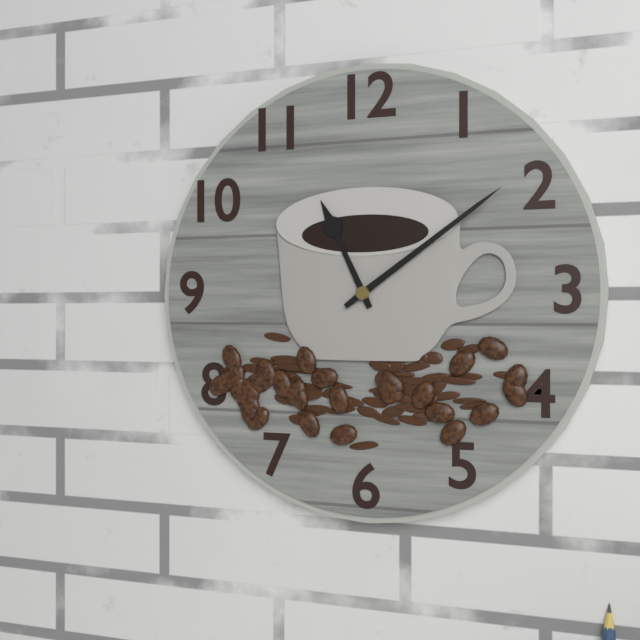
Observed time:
h=11 m=9
